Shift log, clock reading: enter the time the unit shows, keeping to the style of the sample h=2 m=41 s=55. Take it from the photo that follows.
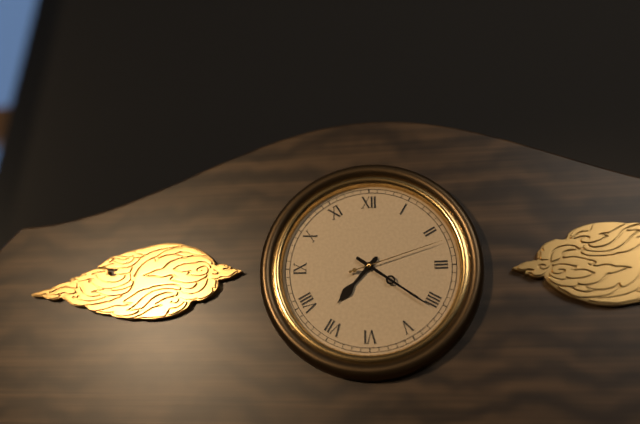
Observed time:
h=7 m=21 s=12
